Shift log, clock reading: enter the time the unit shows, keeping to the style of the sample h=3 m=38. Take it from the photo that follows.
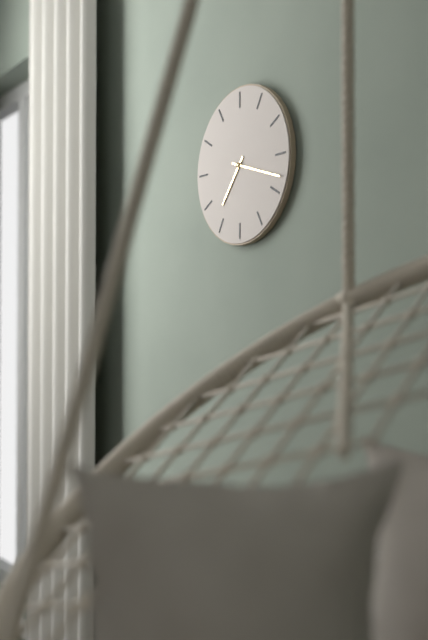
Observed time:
h=7 m=18
